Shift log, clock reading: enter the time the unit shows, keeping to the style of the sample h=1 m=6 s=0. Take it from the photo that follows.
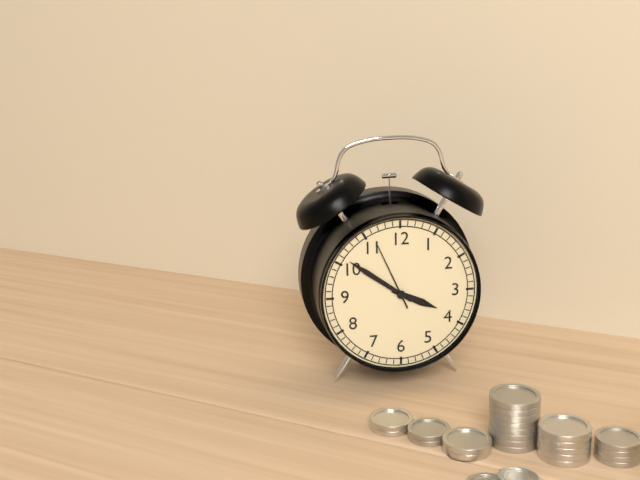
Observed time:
h=3 m=51 s=56
